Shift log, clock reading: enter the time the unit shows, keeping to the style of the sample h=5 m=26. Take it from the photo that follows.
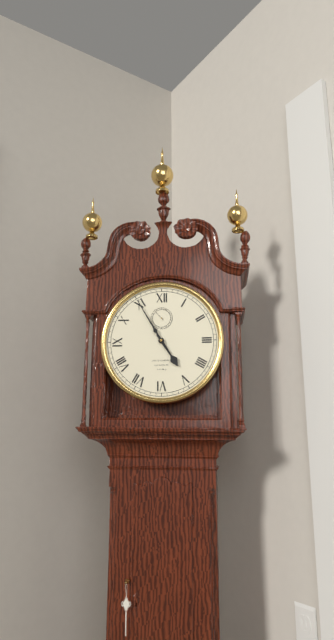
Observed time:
h=4 m=55
